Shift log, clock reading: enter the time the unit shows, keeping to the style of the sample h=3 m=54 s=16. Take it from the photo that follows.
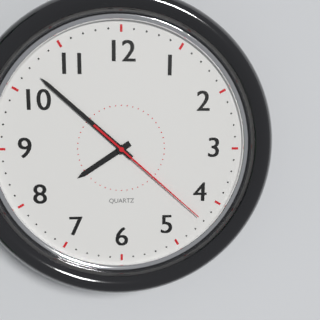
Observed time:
h=7 m=52 s=22
